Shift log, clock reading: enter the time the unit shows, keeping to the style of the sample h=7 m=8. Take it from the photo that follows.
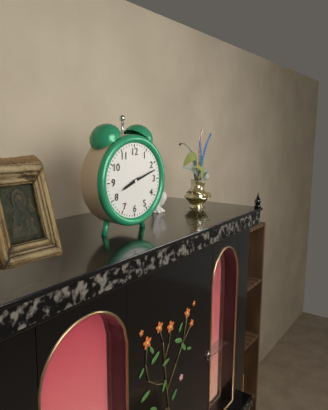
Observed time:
h=8 m=12
